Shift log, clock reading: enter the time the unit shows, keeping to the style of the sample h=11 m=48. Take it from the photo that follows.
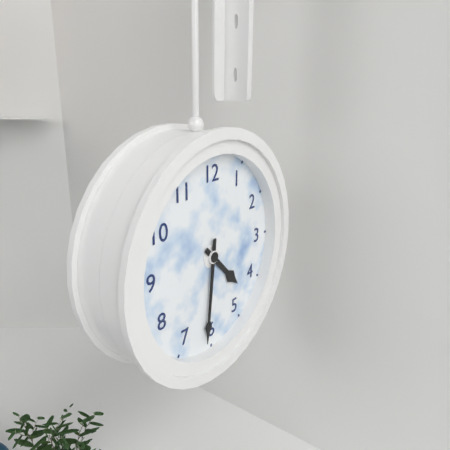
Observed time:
h=4 m=31
